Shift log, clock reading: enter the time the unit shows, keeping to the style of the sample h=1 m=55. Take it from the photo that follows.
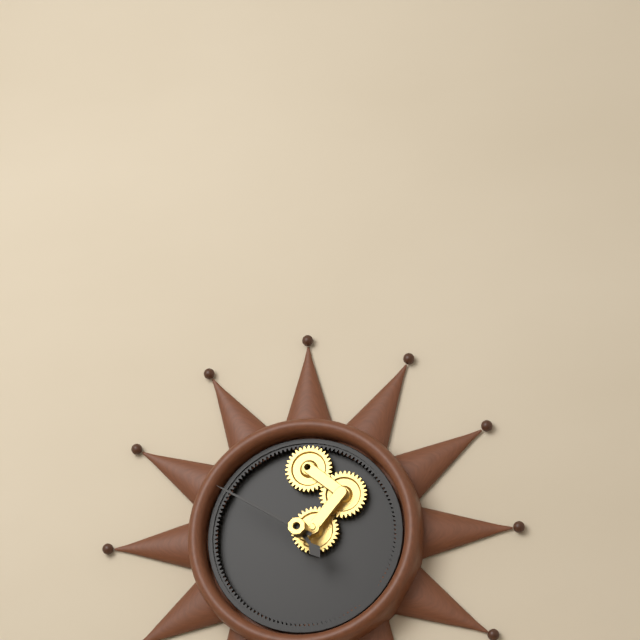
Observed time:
h=4 m=50
